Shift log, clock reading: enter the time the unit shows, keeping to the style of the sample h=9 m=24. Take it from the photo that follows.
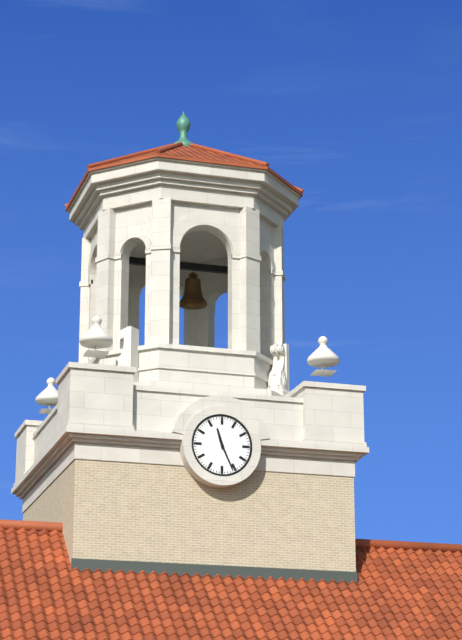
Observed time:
h=11 m=26
